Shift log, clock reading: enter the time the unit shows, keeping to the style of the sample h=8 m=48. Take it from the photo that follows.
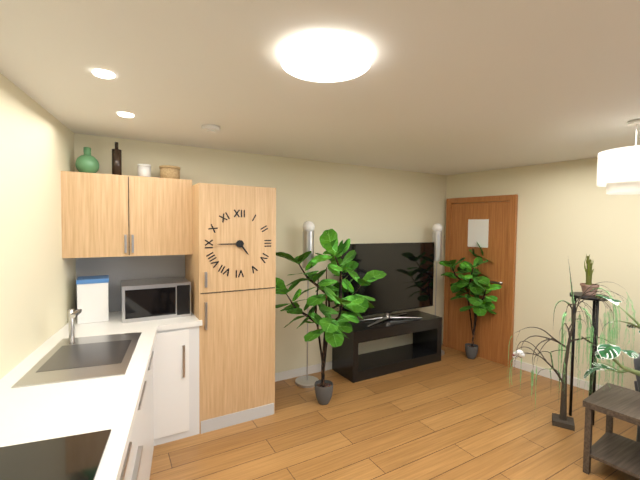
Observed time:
h=4 m=45
